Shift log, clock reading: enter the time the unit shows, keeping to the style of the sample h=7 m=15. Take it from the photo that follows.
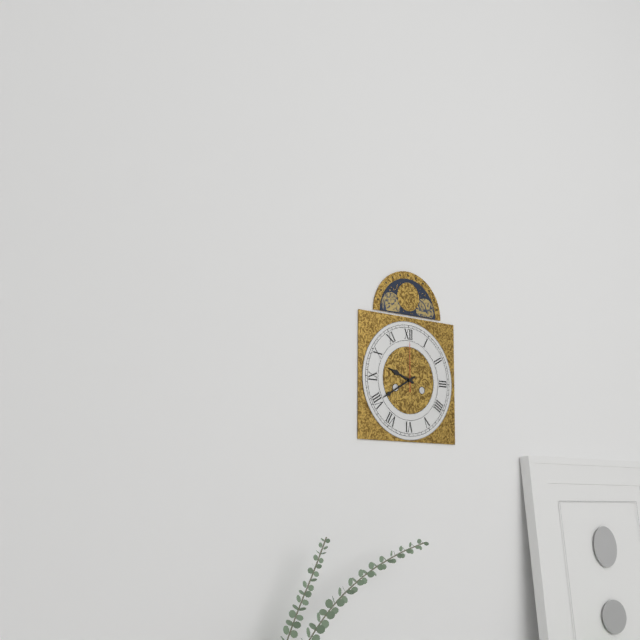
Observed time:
h=9 m=40
